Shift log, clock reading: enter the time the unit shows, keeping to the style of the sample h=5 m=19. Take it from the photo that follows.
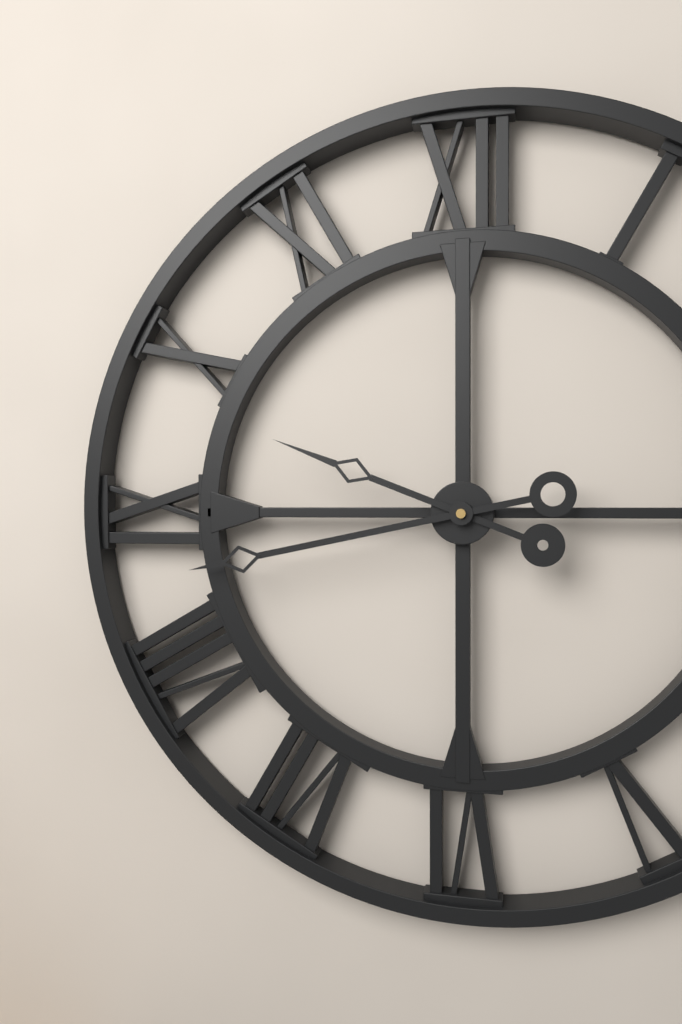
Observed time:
h=9 m=43
